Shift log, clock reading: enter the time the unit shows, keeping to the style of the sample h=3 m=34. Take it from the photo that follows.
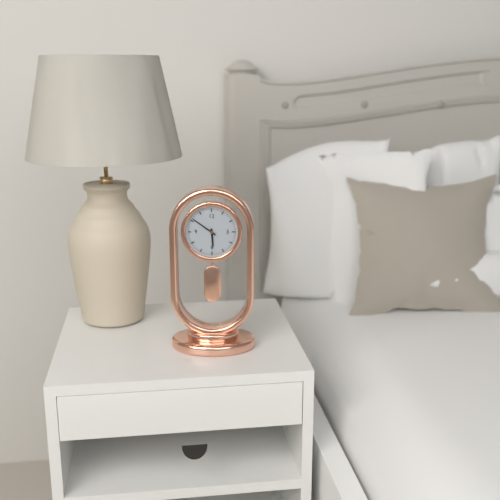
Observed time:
h=5 m=51
